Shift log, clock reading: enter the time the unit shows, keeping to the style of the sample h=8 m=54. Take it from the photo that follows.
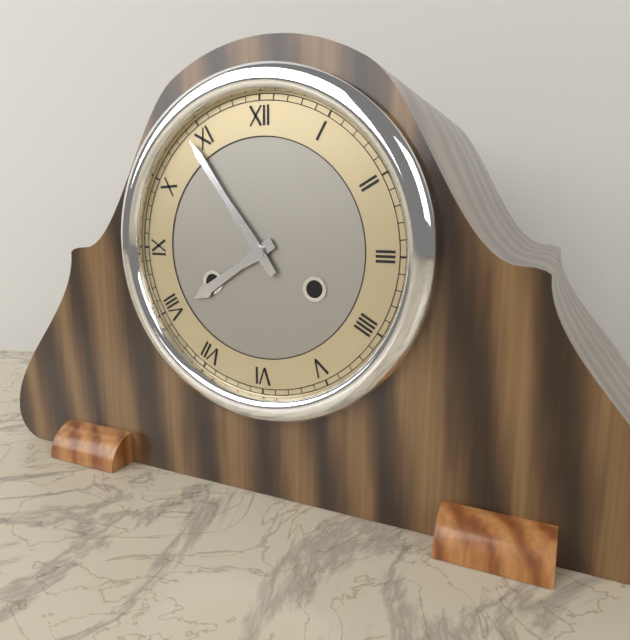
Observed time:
h=7 m=54
